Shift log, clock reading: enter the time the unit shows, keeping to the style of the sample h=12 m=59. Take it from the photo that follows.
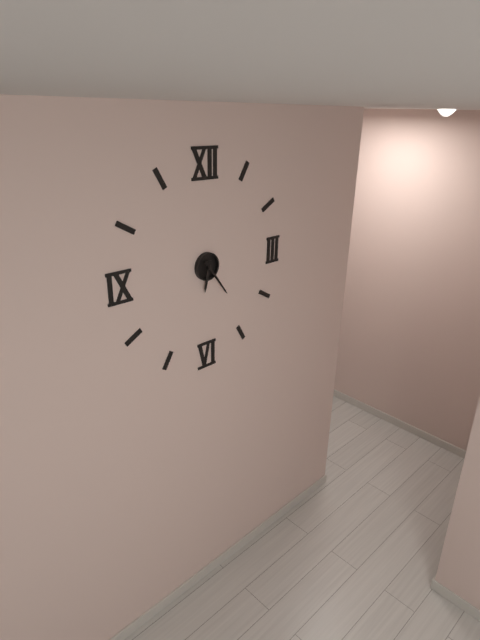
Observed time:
h=6 m=24
